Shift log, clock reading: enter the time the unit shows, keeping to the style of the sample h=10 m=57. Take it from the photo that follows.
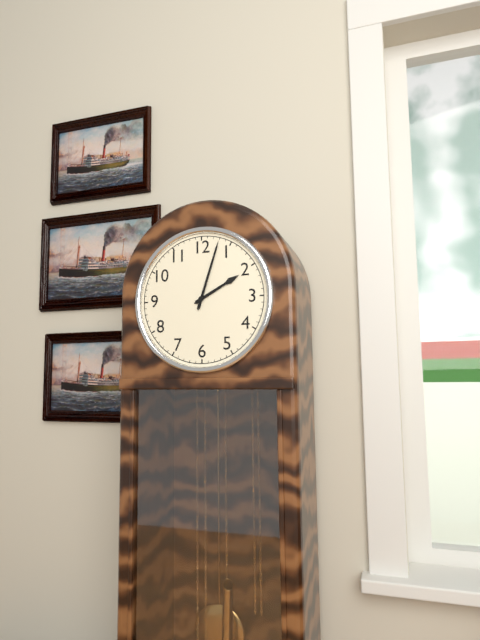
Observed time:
h=2 m=3
